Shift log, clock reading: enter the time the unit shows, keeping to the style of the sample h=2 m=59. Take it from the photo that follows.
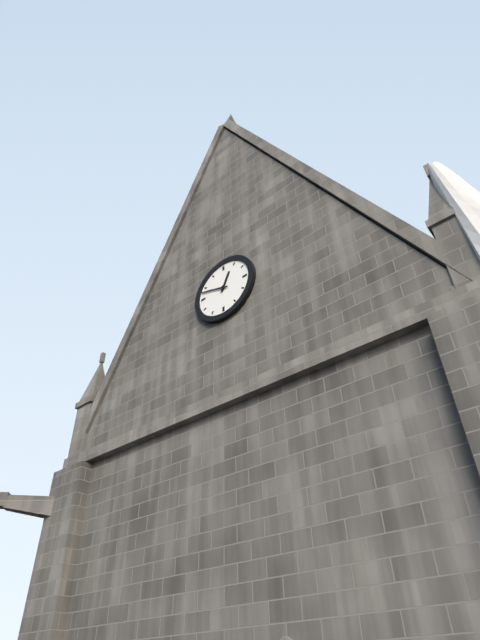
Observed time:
h=12 m=48
